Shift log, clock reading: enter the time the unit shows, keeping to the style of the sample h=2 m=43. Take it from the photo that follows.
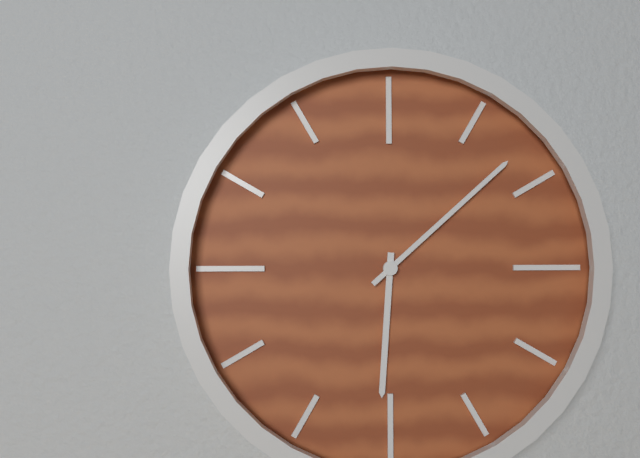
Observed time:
h=6 m=8
